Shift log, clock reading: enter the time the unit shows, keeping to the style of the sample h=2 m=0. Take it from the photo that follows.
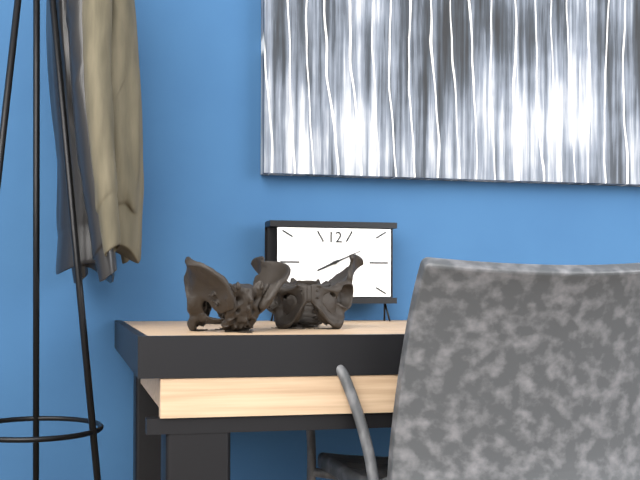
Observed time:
h=8 m=11
